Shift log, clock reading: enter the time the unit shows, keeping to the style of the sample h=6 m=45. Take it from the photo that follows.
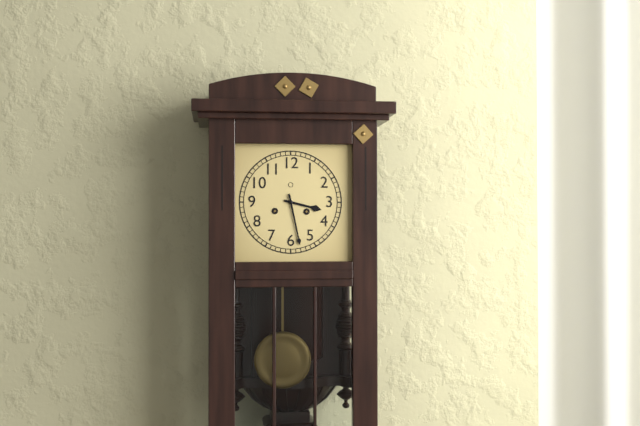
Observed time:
h=3 m=28
